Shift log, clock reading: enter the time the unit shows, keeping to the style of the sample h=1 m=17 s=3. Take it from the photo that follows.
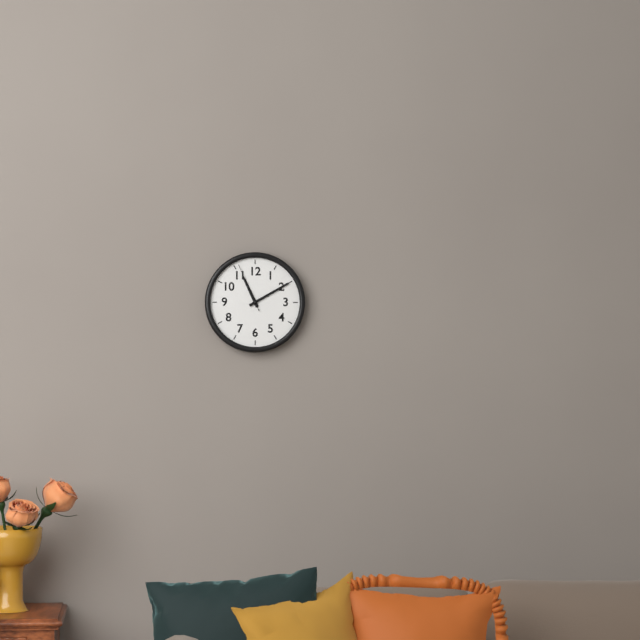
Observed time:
h=11 m=10 s=56
